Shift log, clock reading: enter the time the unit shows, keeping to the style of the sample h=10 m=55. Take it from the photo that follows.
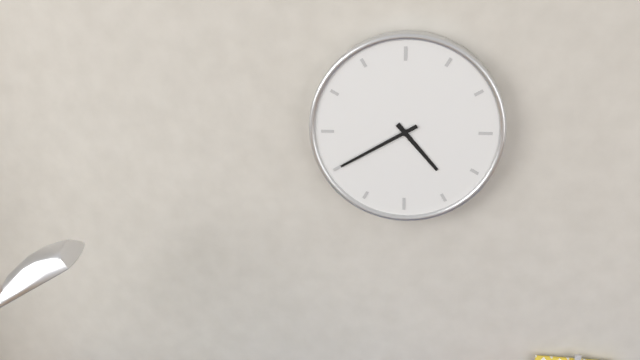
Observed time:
h=4 m=40
